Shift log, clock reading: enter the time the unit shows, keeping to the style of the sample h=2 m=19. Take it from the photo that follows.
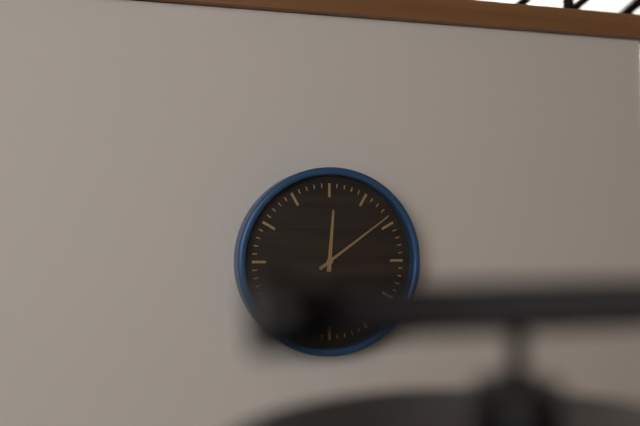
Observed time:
h=12 m=9
